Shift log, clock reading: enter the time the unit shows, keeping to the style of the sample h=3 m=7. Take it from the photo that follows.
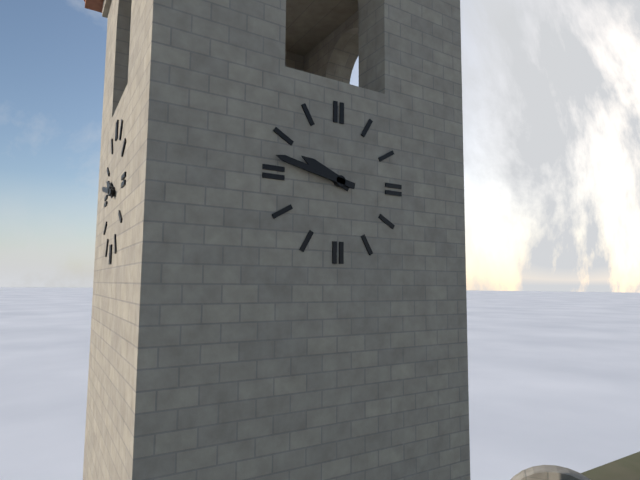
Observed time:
h=9 m=47
